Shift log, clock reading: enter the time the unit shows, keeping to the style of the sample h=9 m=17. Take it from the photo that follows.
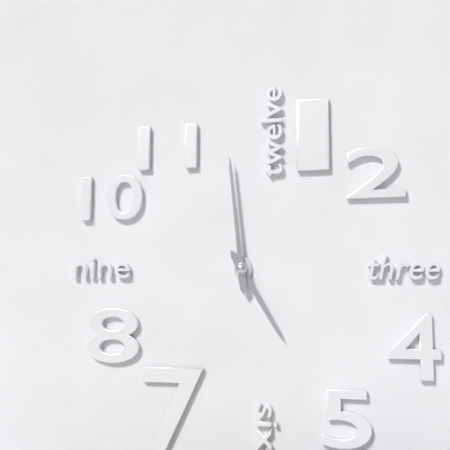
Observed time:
h=4 m=59
